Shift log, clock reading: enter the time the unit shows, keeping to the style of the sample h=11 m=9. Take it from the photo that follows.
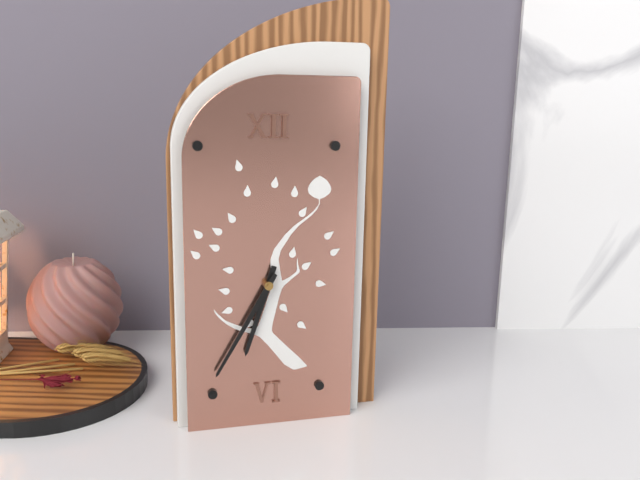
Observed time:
h=6 m=35
